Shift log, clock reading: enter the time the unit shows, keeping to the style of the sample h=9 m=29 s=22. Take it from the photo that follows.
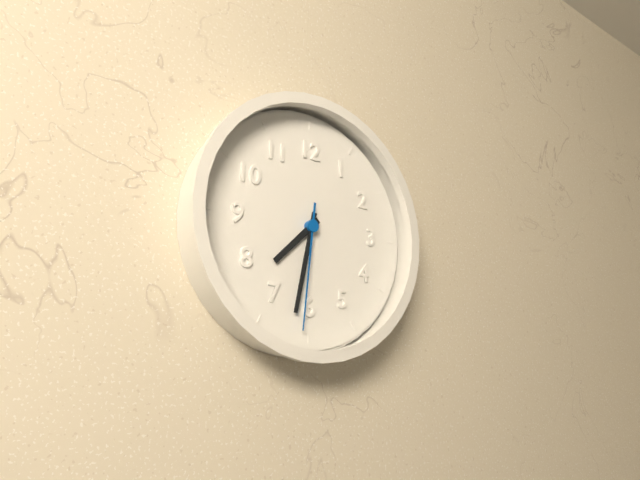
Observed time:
h=7 m=32 s=31
